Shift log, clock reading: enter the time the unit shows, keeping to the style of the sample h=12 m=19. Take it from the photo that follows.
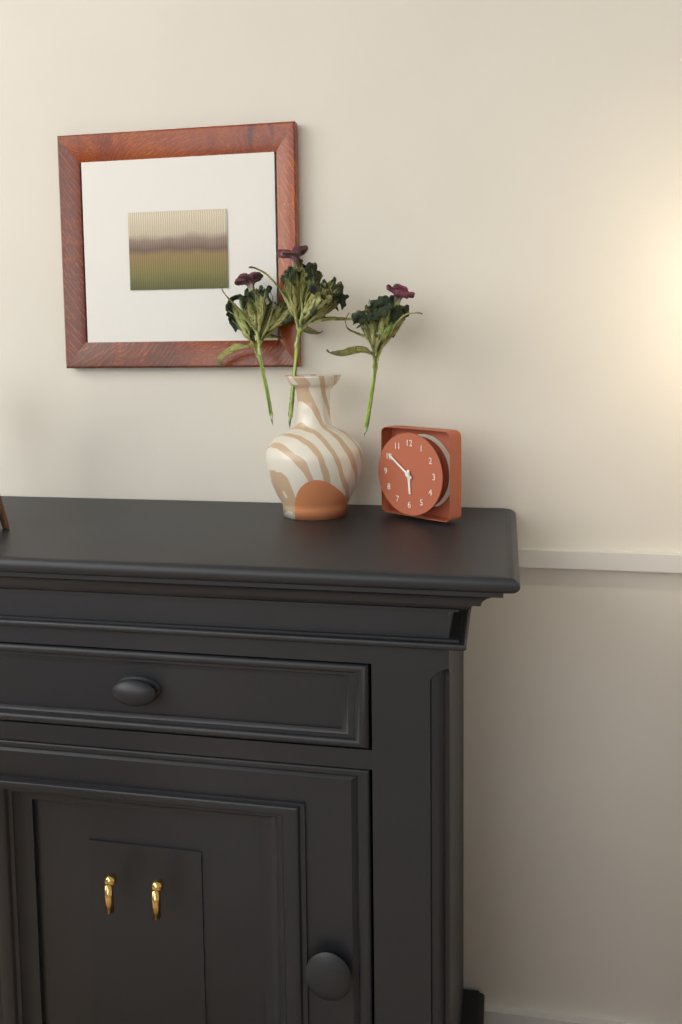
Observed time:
h=5 m=51
